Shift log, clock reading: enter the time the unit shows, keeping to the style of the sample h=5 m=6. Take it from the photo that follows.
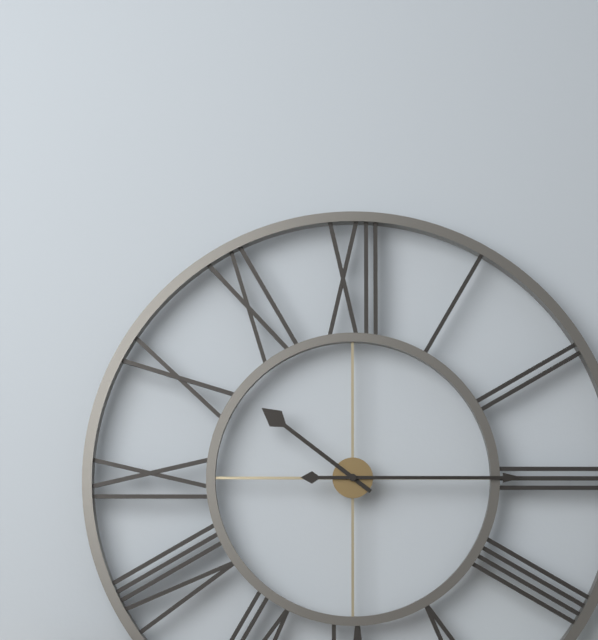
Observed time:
h=10 m=15
